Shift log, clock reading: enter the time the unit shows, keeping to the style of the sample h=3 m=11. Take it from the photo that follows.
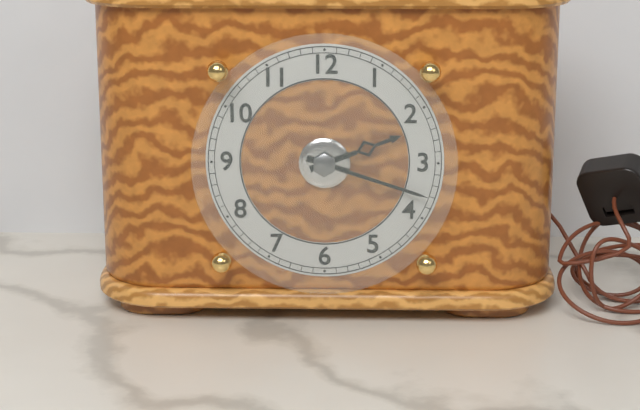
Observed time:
h=2 m=18
